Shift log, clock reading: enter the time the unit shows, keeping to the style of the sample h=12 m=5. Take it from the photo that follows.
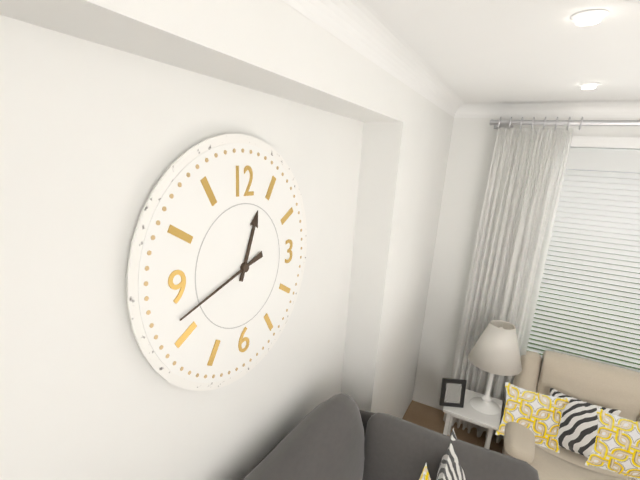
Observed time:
h=12 m=42
